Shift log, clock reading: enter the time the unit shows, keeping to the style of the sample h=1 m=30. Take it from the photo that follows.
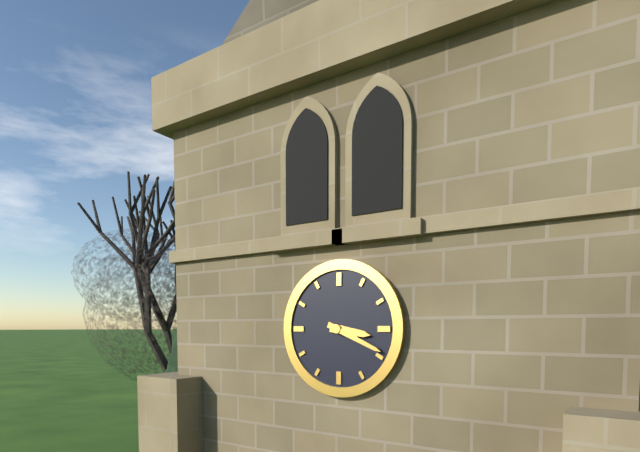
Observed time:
h=3 m=19
